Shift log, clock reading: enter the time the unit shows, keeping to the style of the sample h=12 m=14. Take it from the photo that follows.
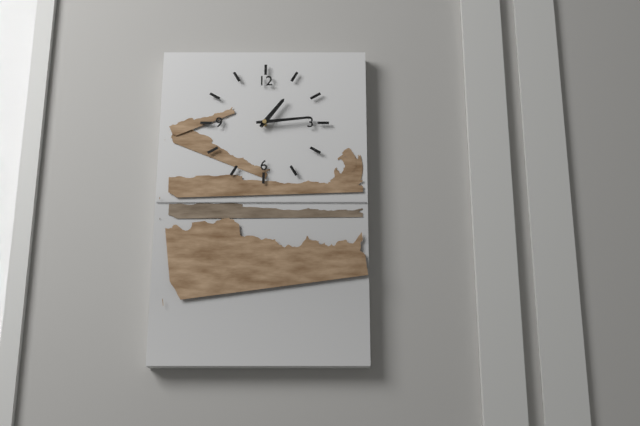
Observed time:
h=1 m=14
